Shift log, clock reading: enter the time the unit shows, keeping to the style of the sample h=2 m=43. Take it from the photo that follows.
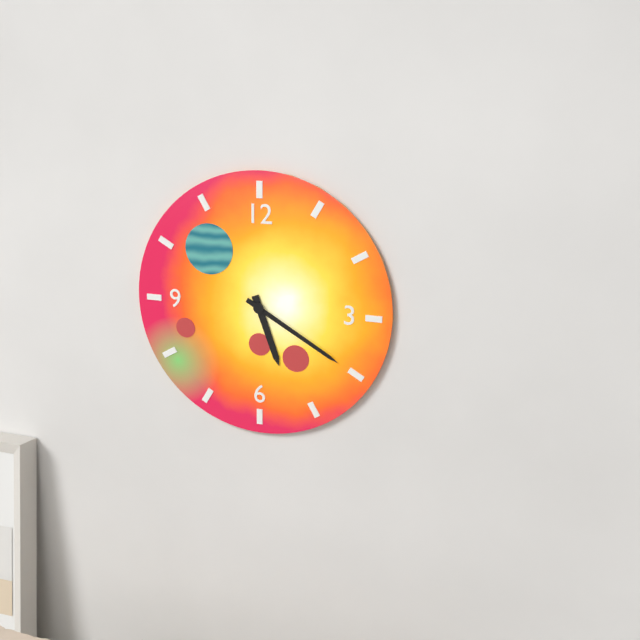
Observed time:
h=5 m=20
